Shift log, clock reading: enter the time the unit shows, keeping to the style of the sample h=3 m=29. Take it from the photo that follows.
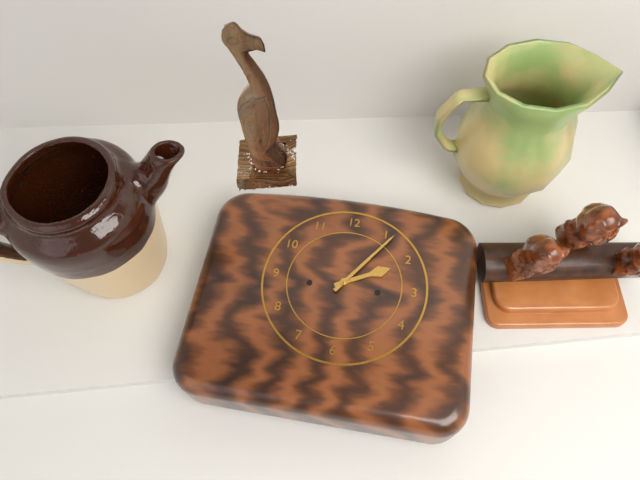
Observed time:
h=2 m=6
